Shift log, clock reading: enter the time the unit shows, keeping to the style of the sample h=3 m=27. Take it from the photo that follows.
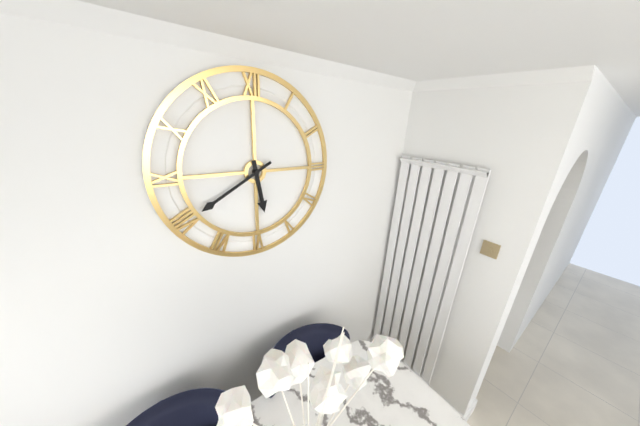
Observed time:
h=5 m=40
